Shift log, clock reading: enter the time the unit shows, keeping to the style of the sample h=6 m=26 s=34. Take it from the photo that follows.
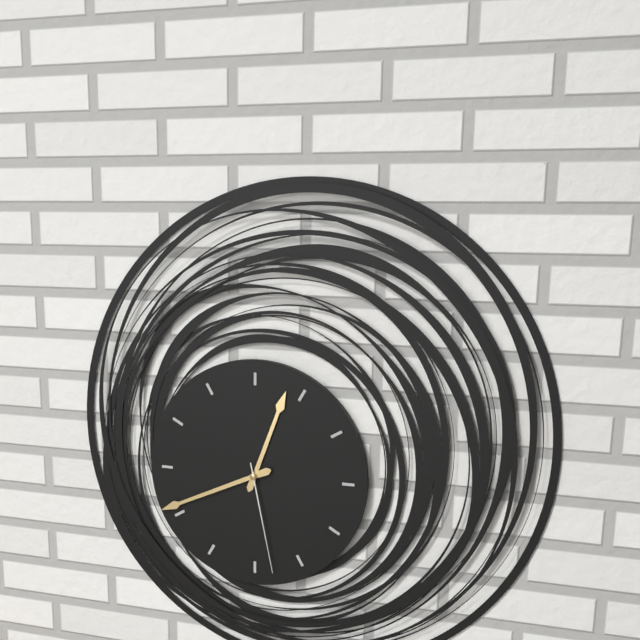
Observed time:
h=12 m=41 s=28
